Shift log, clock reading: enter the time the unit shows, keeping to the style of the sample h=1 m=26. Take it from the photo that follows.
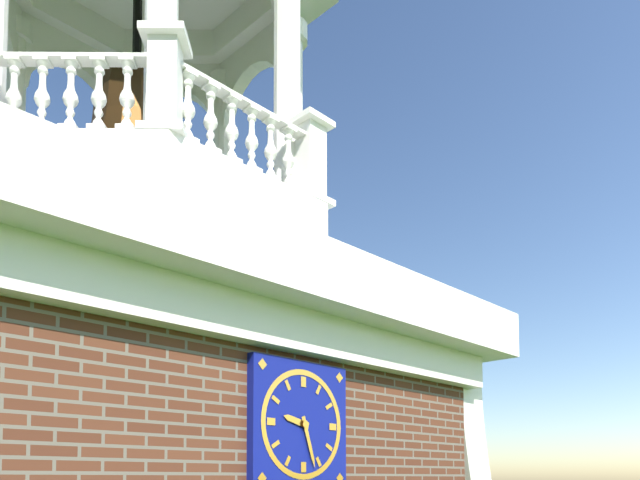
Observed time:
h=9 m=27
